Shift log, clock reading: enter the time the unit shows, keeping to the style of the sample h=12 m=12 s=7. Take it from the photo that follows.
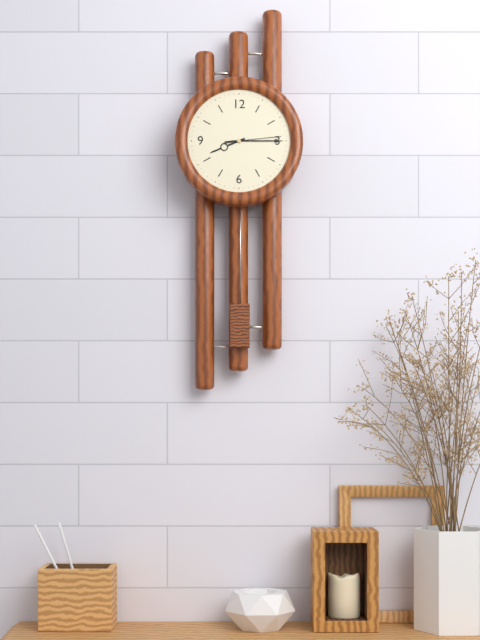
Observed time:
h=8 m=15 s=14
